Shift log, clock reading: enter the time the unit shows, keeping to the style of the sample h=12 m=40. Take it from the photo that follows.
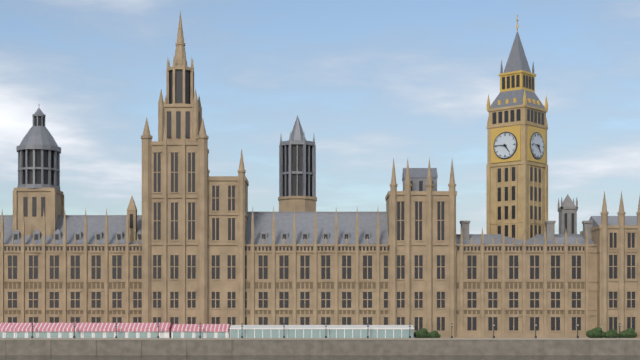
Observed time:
h=4 m=46
